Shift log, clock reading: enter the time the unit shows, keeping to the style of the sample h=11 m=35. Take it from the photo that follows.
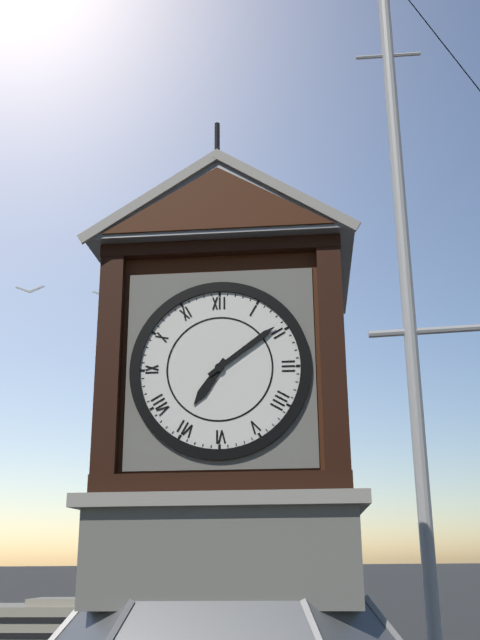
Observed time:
h=7 m=9
